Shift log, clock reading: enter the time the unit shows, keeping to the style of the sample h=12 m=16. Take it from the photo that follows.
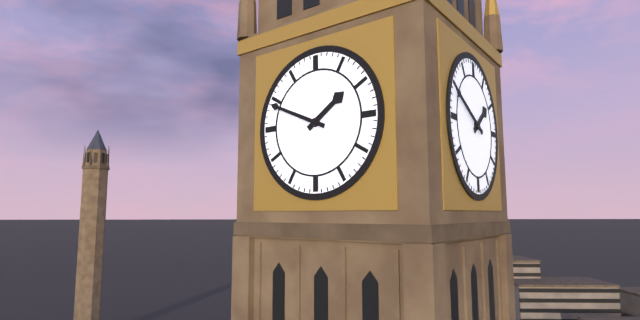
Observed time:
h=1 m=49
